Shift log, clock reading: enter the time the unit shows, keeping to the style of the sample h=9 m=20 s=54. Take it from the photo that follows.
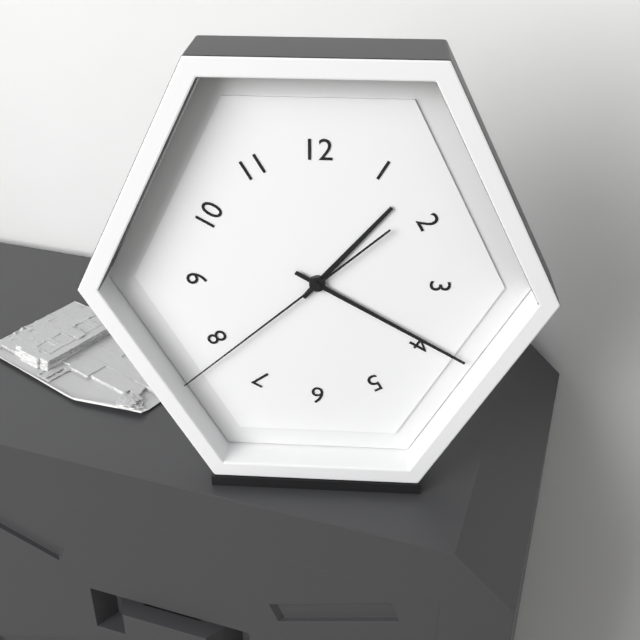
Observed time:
h=1 m=20 s=38
